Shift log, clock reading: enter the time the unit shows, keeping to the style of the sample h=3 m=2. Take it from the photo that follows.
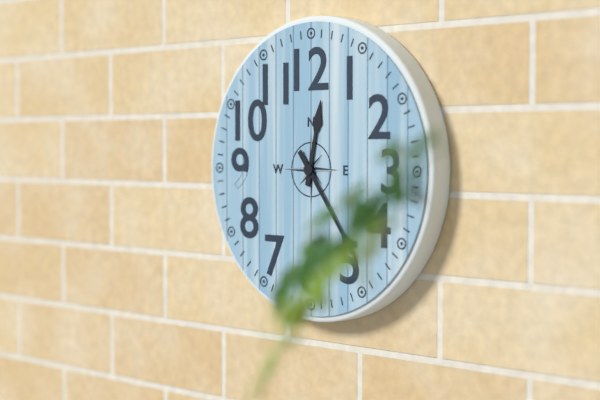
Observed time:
h=12 m=24
